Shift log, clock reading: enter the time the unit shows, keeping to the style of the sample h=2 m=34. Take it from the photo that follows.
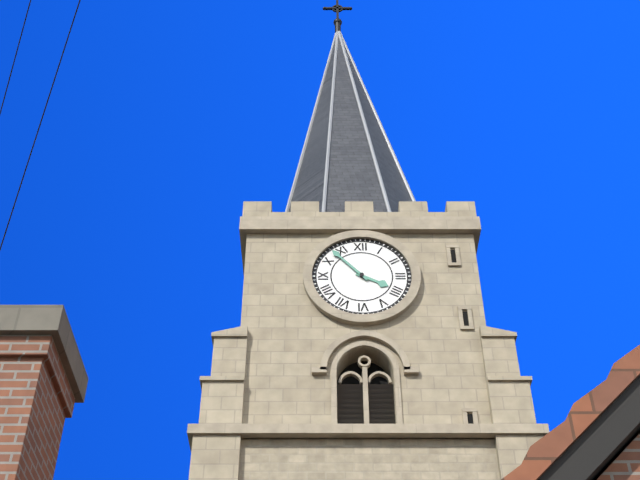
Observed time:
h=3 m=53
